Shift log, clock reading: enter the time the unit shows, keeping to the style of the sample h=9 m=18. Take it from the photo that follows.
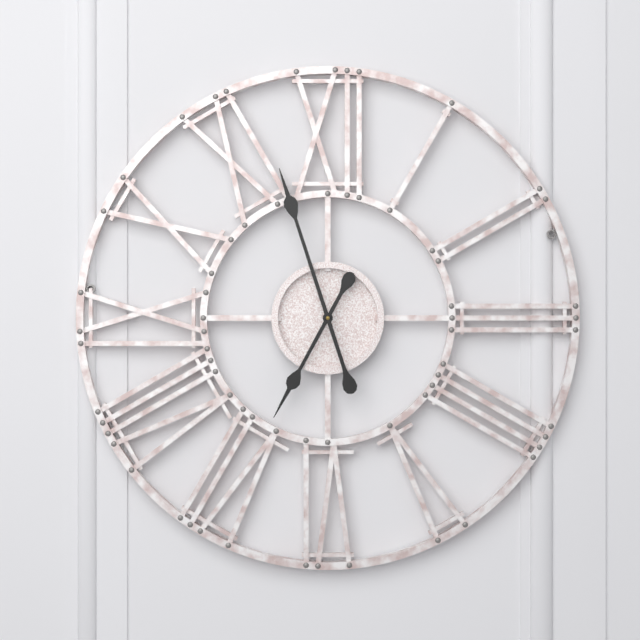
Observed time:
h=6 m=57
